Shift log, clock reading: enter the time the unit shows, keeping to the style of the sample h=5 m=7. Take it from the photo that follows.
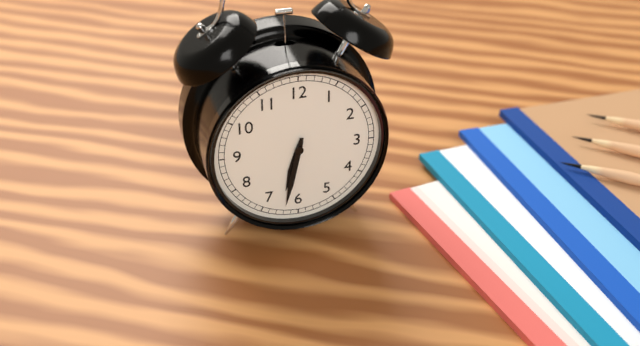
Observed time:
h=6 m=32
